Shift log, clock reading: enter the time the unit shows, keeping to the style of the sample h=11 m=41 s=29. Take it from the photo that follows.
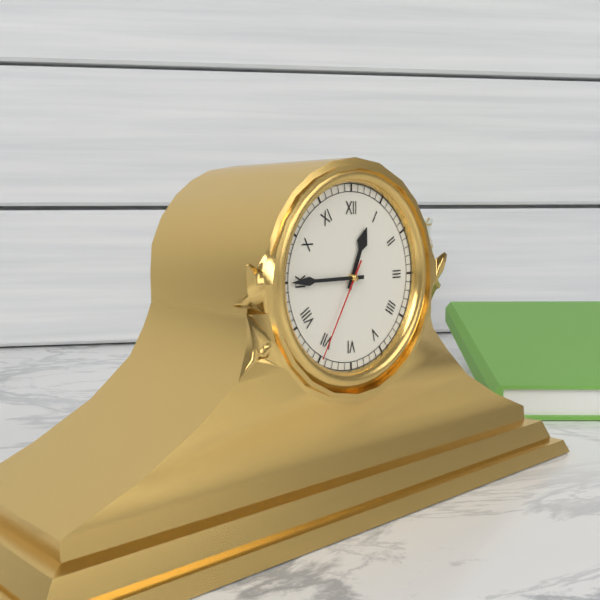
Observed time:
h=12 m=45 s=35
